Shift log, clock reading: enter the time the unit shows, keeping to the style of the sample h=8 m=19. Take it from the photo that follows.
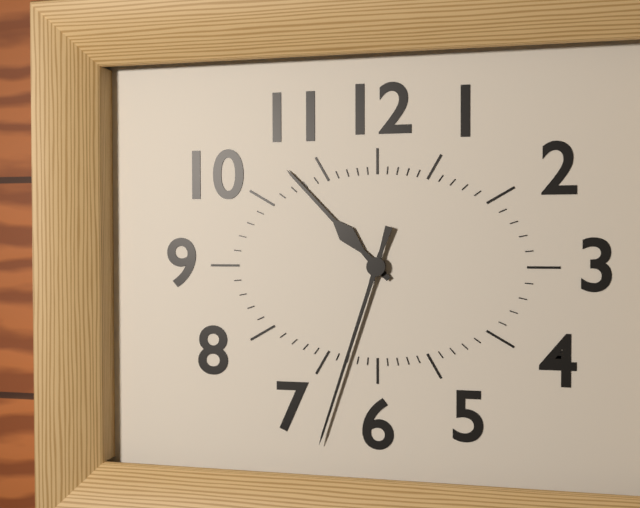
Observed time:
h=10 m=33
